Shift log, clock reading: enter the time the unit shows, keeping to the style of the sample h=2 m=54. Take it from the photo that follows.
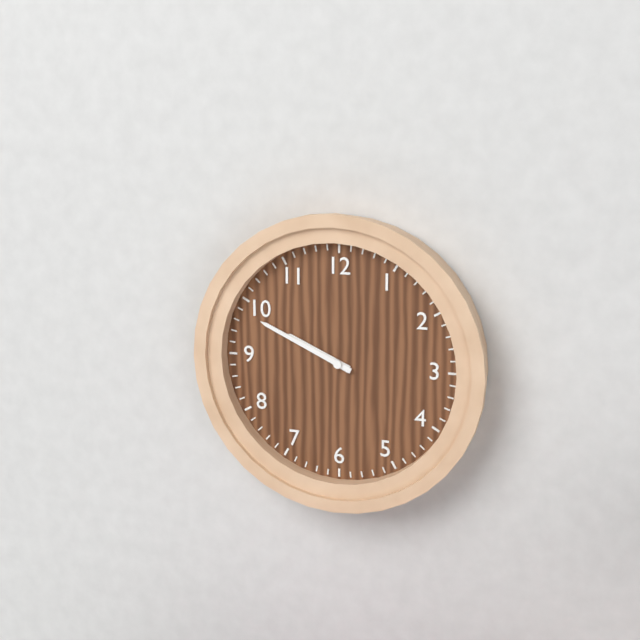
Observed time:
h=9 m=49
